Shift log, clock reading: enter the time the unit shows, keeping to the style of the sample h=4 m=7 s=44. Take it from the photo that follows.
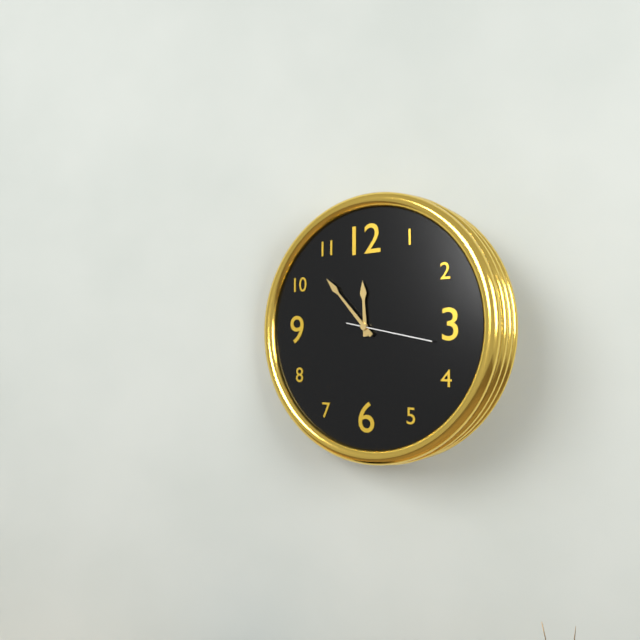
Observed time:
h=11 m=53 s=17
